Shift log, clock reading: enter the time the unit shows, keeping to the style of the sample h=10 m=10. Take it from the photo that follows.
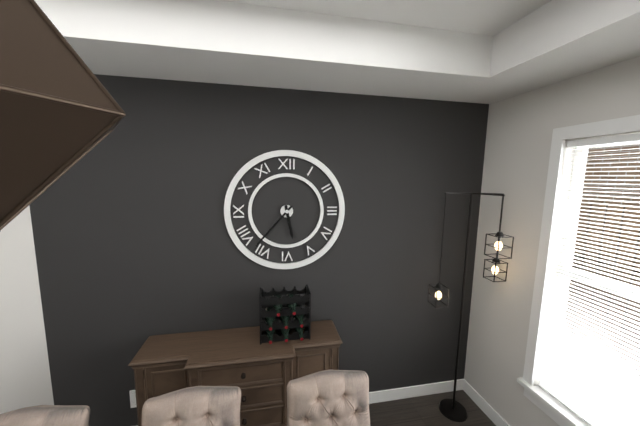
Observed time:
h=5 m=37
